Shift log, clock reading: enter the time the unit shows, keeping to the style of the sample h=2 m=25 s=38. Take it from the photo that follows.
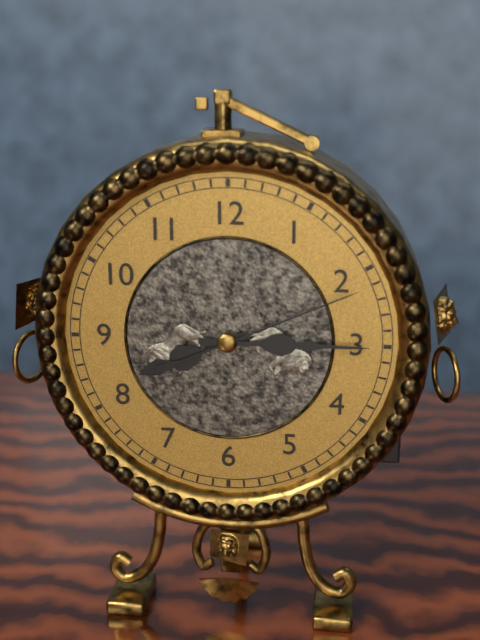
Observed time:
h=8 m=15 s=11
